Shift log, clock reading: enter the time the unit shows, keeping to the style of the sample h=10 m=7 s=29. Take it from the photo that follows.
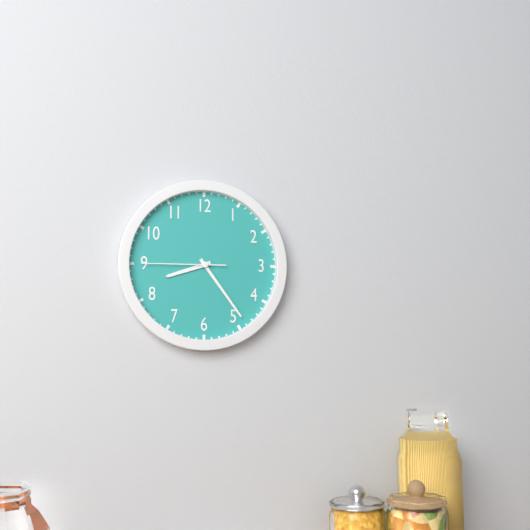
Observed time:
h=8 m=24 s=45
